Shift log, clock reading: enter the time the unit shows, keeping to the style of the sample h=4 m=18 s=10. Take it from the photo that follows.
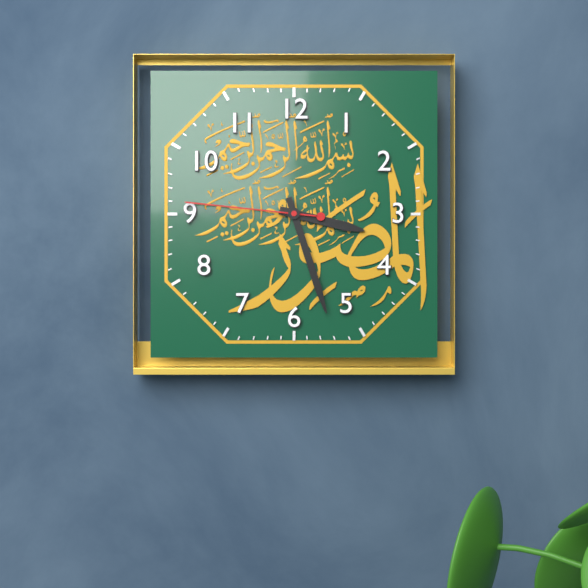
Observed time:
h=3 m=27 s=46
